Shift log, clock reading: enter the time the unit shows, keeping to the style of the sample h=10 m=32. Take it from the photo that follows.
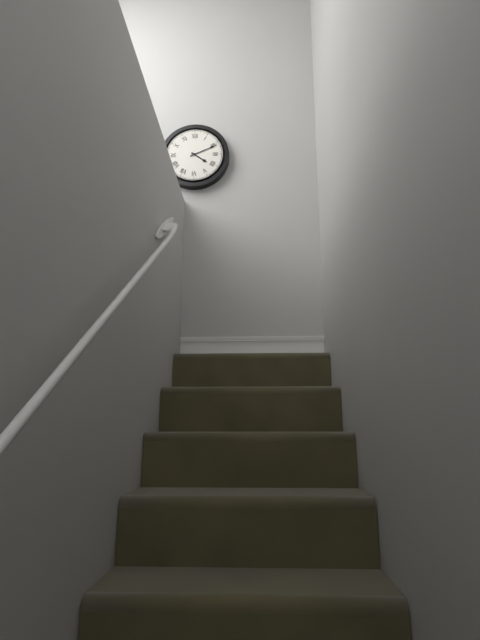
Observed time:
h=4 m=11
